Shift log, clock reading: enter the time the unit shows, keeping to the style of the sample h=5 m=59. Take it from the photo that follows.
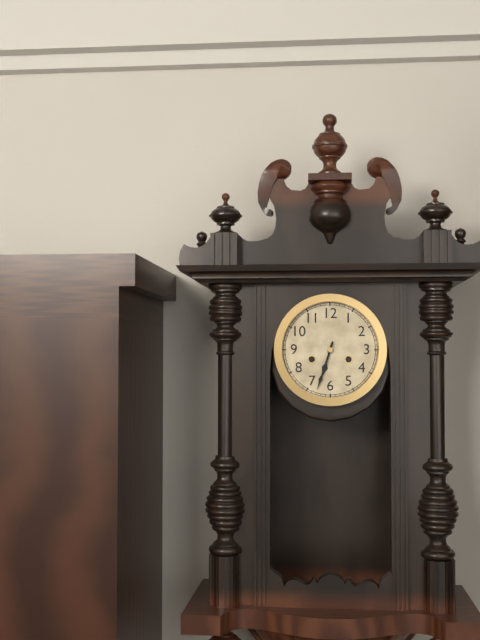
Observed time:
h=6 m=33
